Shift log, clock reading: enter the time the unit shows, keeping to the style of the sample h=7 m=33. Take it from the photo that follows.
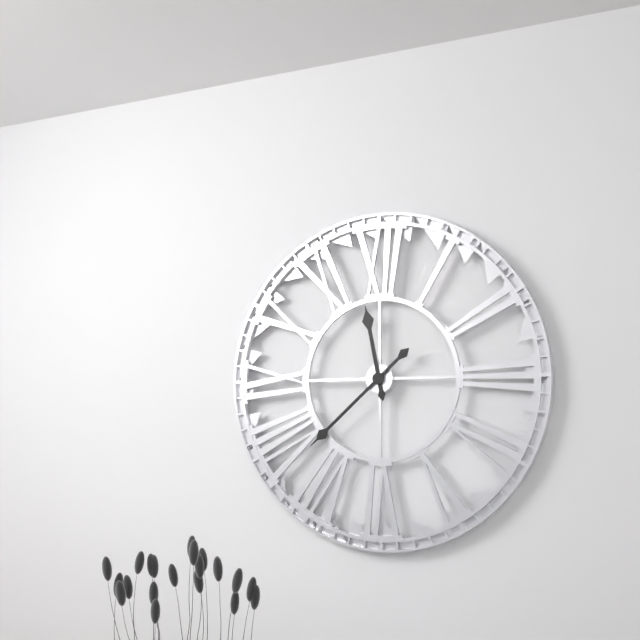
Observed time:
h=11 m=38
